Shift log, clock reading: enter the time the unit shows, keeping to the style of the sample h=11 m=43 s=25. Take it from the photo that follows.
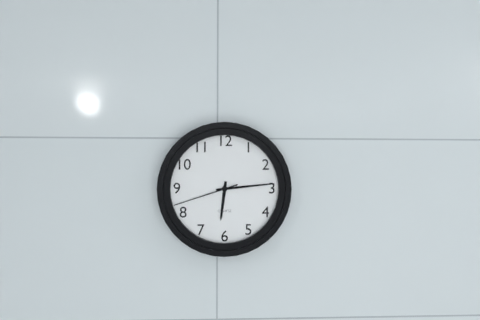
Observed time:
h=6 m=14 s=42
